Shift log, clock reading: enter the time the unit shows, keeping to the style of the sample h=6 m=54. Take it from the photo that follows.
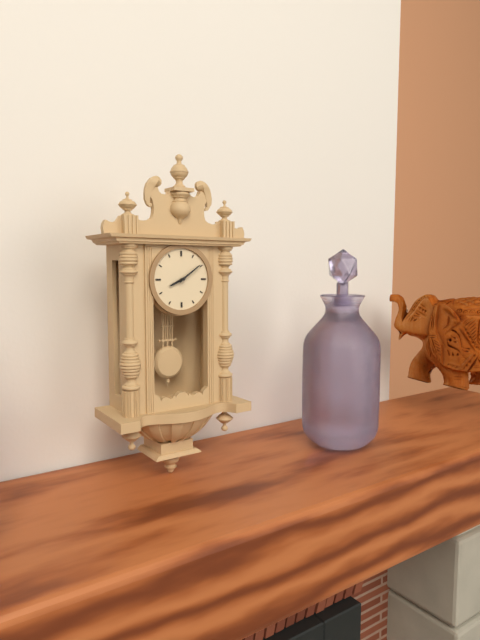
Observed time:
h=8 m=9
